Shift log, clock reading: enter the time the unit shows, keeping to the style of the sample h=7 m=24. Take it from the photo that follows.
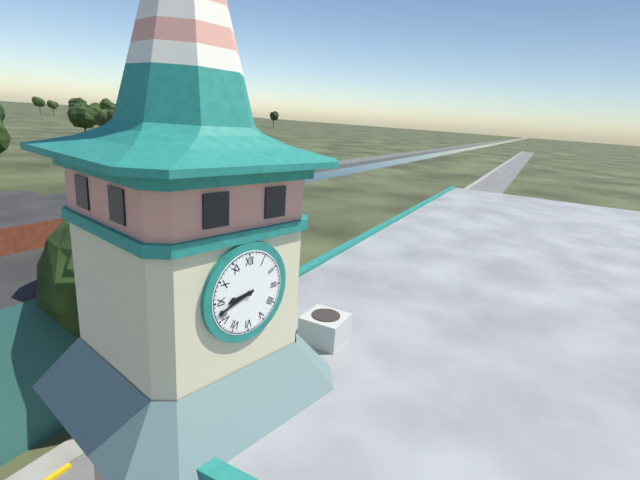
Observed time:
h=8 m=42
